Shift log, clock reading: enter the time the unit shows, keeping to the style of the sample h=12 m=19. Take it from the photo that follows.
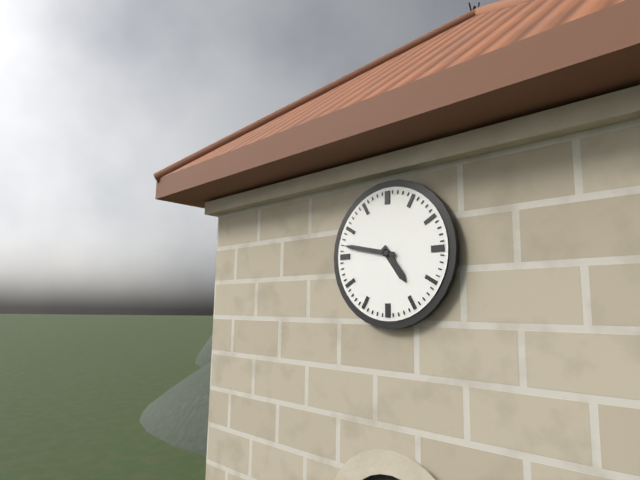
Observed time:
h=4 m=47
